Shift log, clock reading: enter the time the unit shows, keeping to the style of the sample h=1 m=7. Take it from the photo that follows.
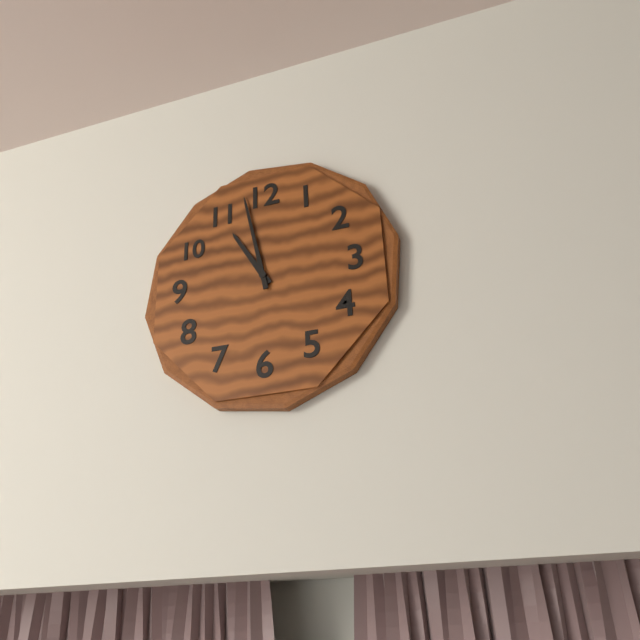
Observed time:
h=10 m=58
